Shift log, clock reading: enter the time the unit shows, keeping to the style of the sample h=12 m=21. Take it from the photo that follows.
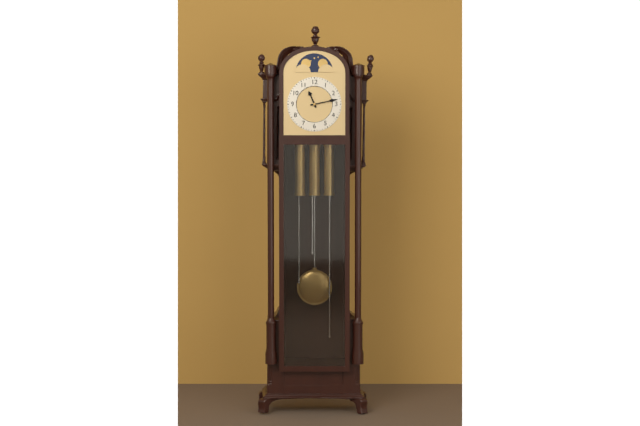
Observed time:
h=11 m=13
